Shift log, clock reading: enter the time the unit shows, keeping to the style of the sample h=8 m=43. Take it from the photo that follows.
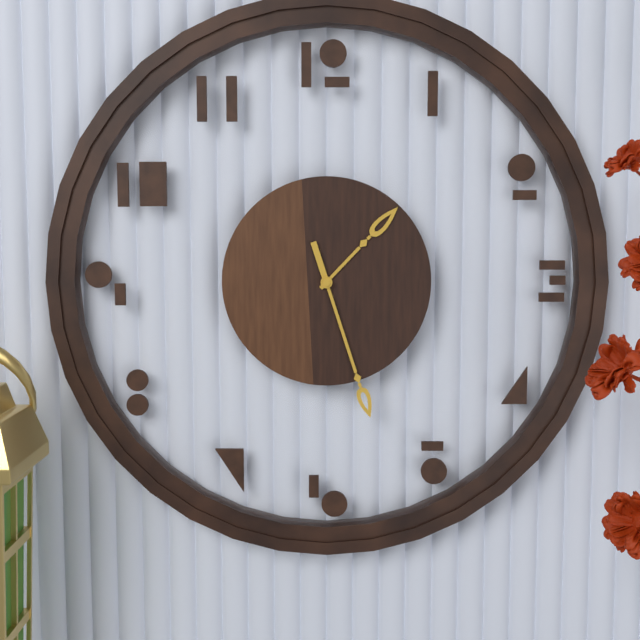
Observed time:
h=1 m=27
